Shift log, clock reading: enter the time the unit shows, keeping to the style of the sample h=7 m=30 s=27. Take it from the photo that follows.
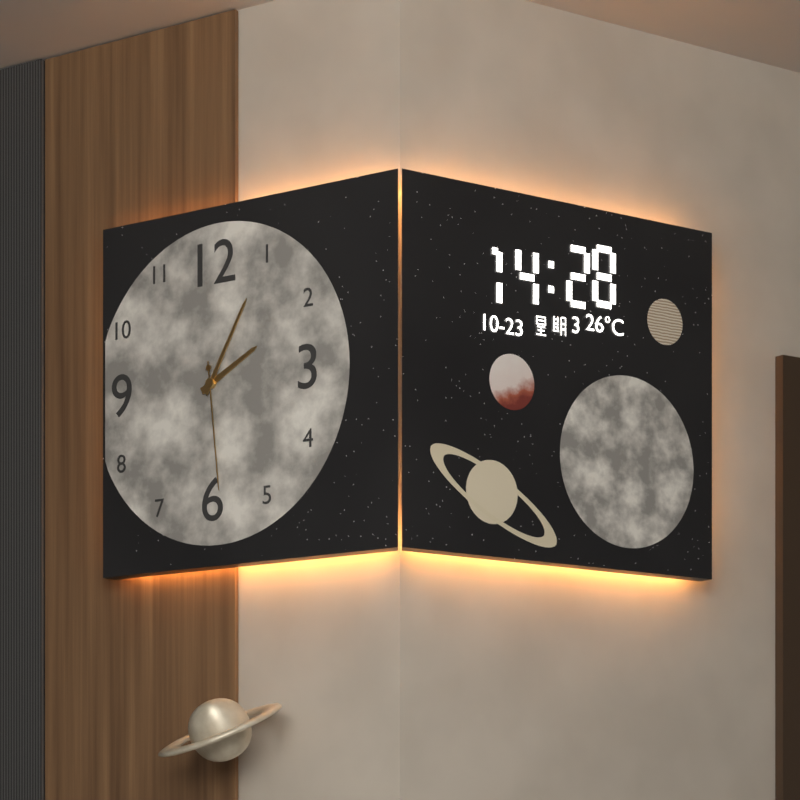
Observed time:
h=2 m=5 s=29
